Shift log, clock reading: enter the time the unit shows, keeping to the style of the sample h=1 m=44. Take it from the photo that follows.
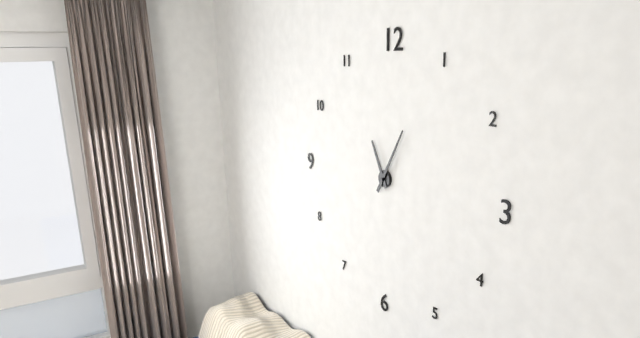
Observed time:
h=11 m=5
